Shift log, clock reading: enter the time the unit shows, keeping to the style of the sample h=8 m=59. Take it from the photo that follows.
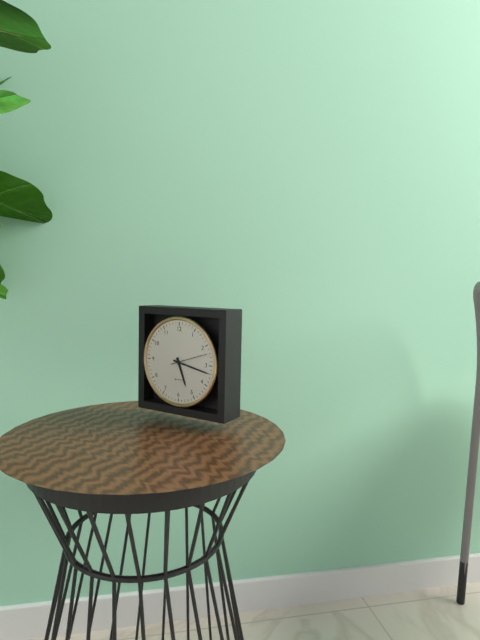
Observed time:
h=5 m=17
